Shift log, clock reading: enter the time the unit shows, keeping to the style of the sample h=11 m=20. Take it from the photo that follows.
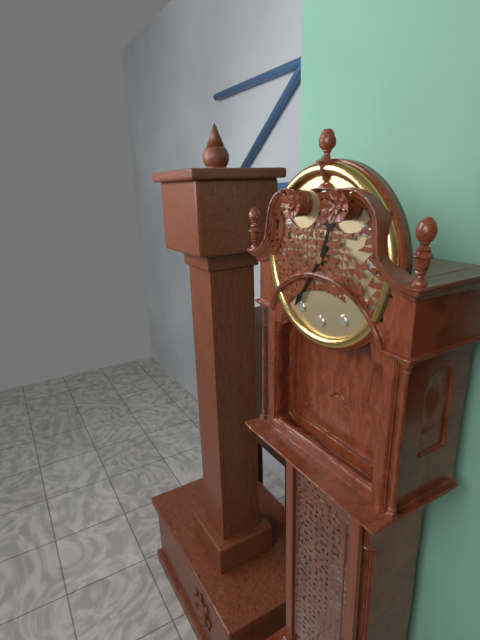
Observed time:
h=12 m=36
